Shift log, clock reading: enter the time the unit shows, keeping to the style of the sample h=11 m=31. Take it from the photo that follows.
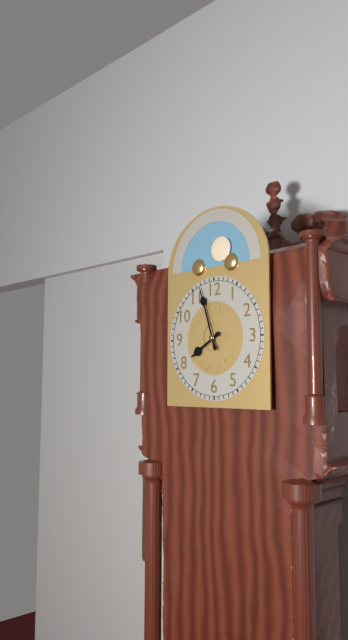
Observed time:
h=7 m=57
